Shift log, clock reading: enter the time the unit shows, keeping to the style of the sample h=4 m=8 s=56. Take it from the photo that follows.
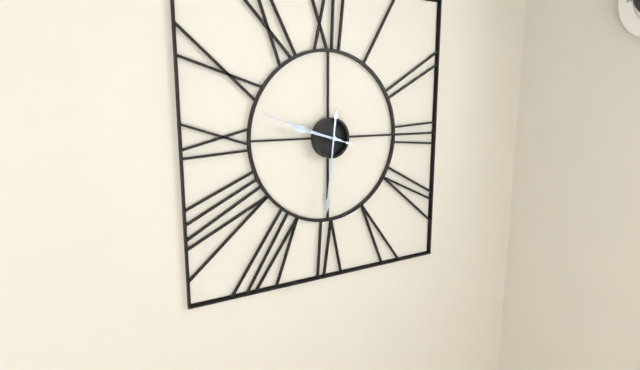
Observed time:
h=9 m=31 s=48
